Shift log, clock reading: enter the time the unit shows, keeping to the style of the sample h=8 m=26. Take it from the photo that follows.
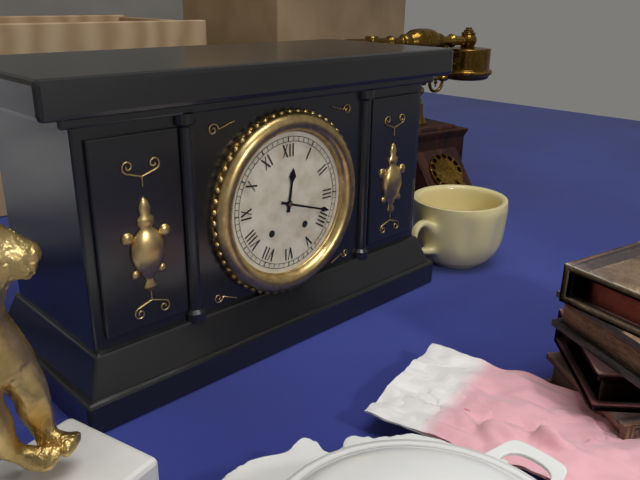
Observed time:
h=12 m=18
